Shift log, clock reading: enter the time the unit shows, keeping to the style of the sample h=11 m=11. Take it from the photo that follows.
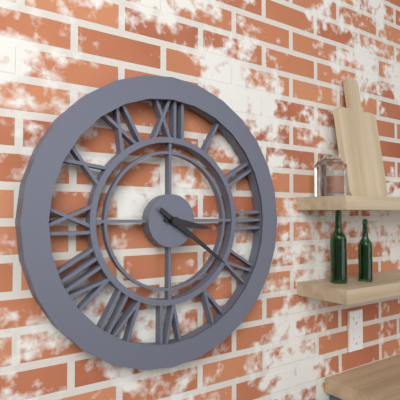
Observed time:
h=3 m=21
